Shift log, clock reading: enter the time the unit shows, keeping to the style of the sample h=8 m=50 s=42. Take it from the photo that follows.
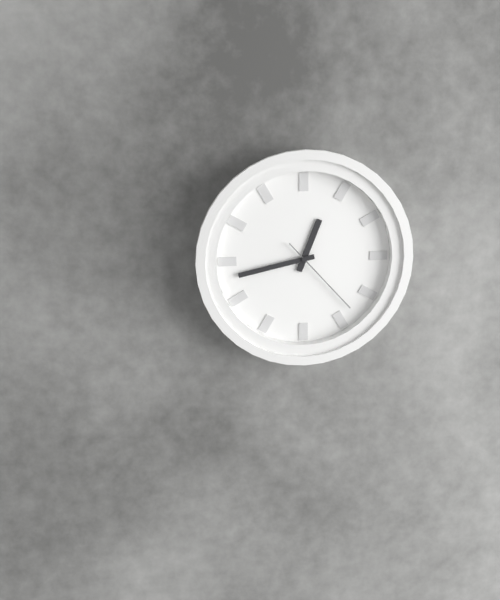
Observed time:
h=12 m=43 s=23
